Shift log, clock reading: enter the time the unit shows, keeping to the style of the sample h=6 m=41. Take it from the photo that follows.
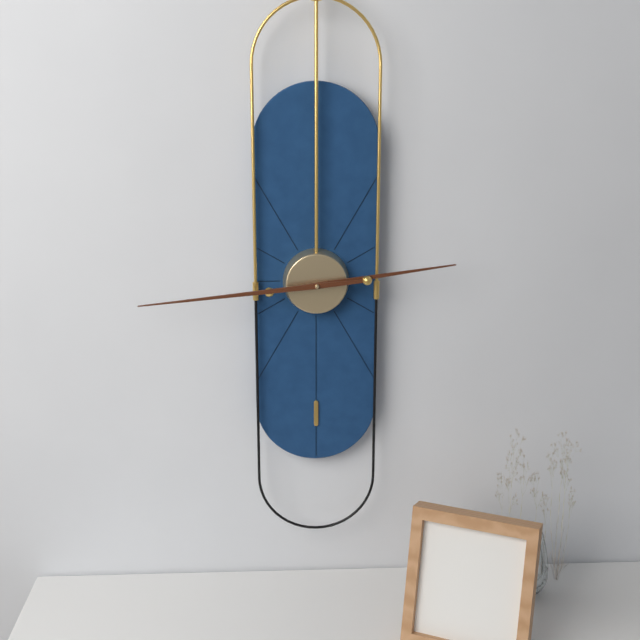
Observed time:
h=2 m=44
